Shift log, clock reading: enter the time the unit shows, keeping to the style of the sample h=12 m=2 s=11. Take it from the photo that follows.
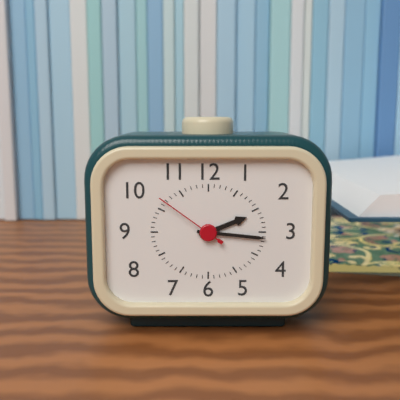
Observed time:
h=2 m=16 s=51
